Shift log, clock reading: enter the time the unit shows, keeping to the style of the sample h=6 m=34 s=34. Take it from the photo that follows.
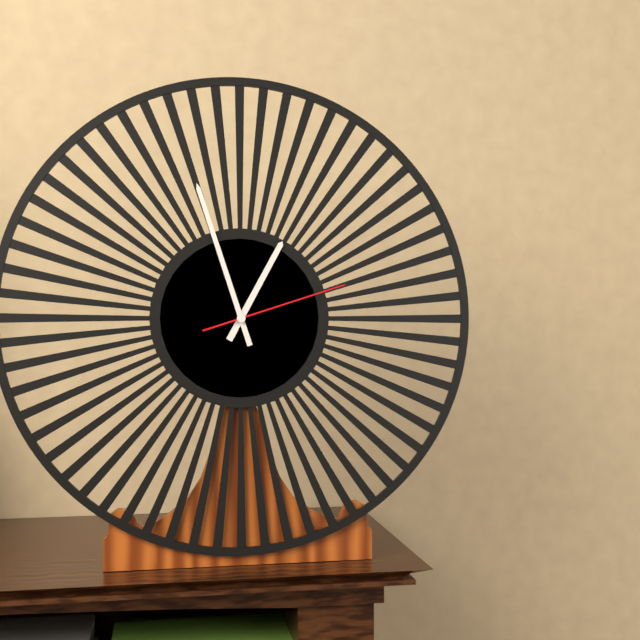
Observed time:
h=12 m=57 s=12
